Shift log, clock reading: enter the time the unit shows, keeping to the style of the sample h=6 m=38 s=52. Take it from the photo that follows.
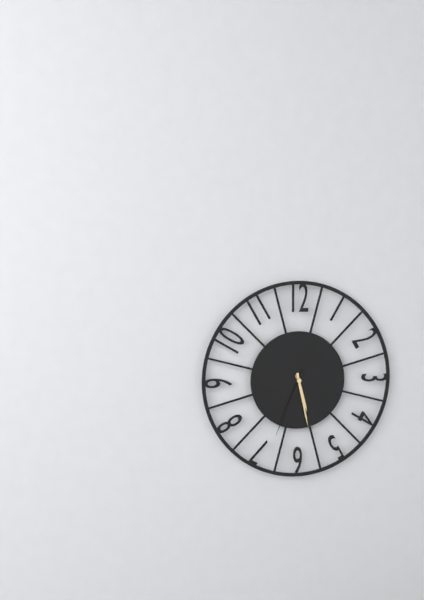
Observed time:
h=5 m=28 s=34
